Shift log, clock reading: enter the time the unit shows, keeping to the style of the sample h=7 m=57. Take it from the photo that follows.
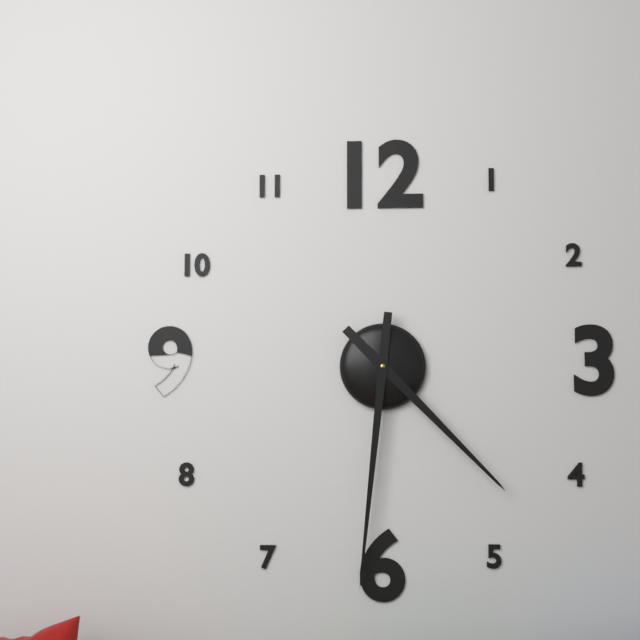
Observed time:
h=4 m=31
